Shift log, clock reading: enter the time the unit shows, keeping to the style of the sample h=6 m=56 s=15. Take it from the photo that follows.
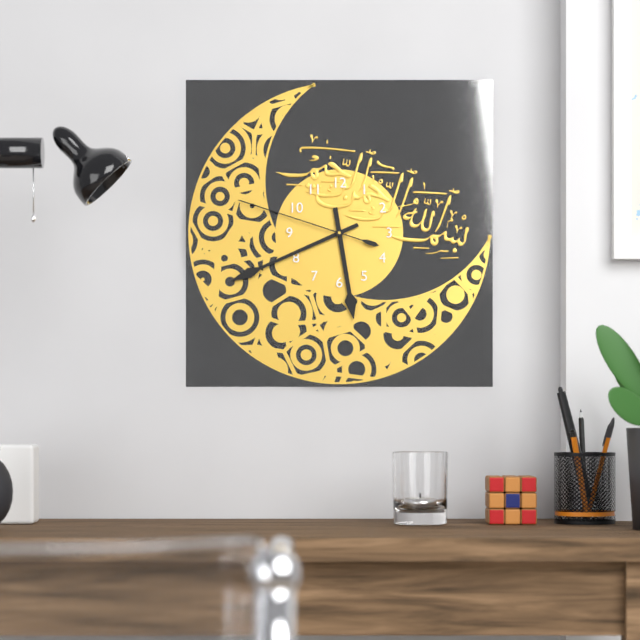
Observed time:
h=5 m=41 s=48
